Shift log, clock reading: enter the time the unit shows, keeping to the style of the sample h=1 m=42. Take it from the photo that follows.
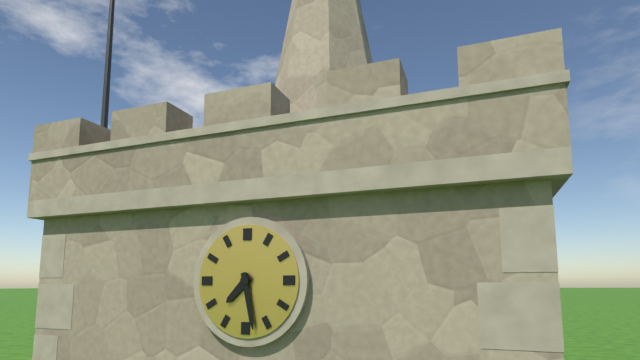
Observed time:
h=7 m=28
